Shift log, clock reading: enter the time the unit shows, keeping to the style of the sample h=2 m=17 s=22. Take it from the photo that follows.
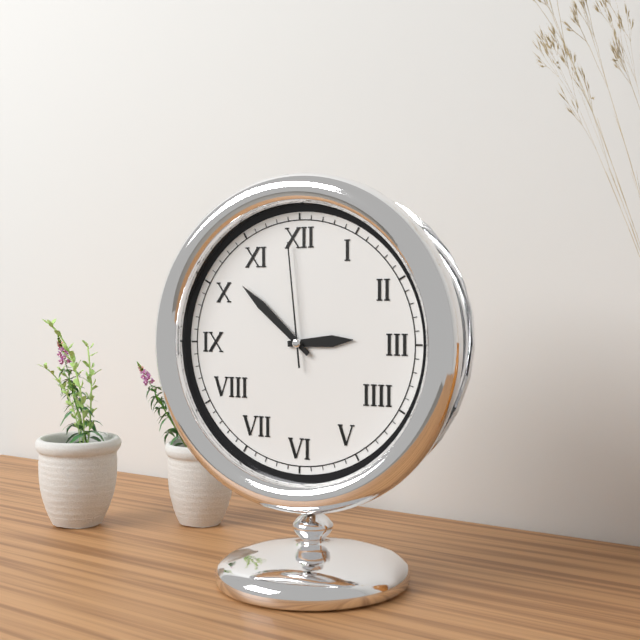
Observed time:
h=2 m=52 s=59
